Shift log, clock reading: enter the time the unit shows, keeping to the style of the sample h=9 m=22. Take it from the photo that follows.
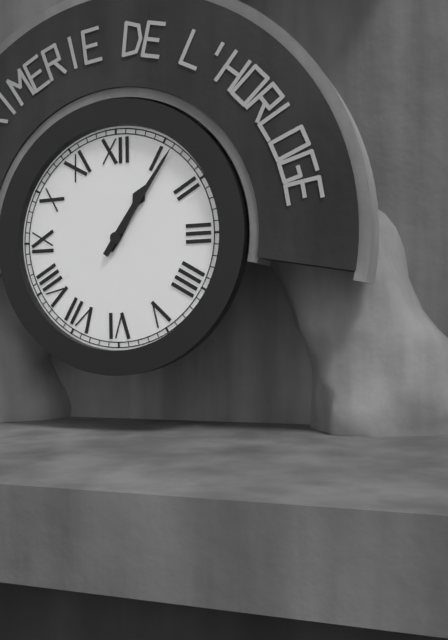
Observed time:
h=1 m=6
